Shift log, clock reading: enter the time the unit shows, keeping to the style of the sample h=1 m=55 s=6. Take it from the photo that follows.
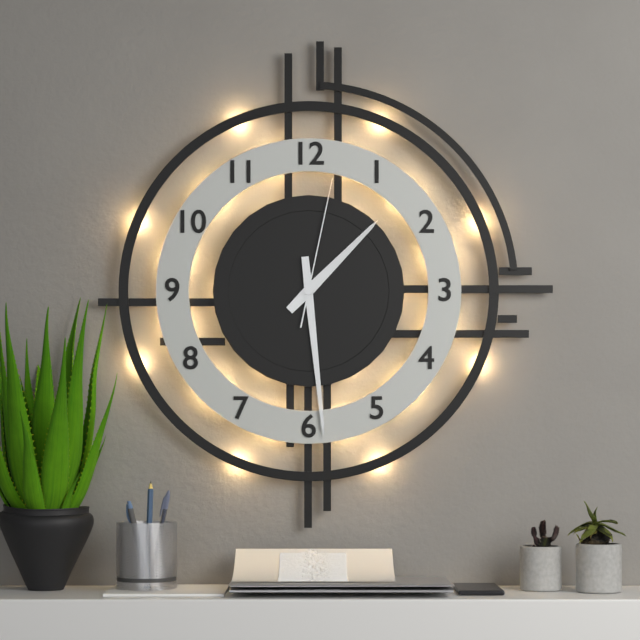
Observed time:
h=1 m=29 s=2
